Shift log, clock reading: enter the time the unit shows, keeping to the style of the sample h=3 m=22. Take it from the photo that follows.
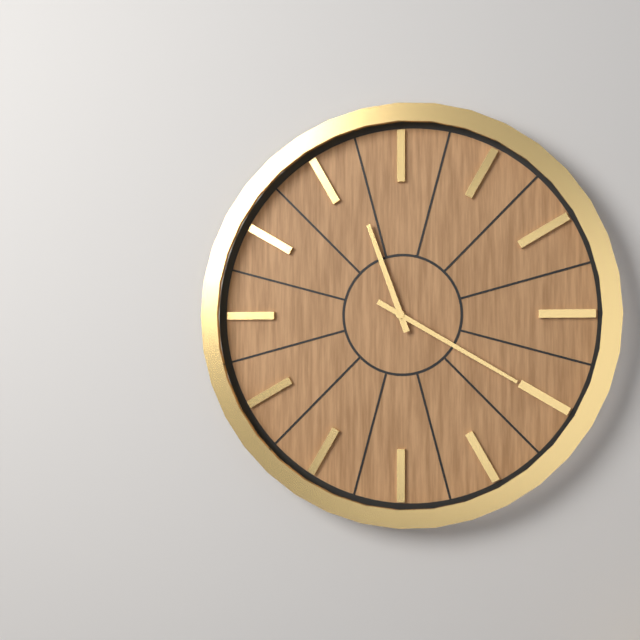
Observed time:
h=11 m=20
